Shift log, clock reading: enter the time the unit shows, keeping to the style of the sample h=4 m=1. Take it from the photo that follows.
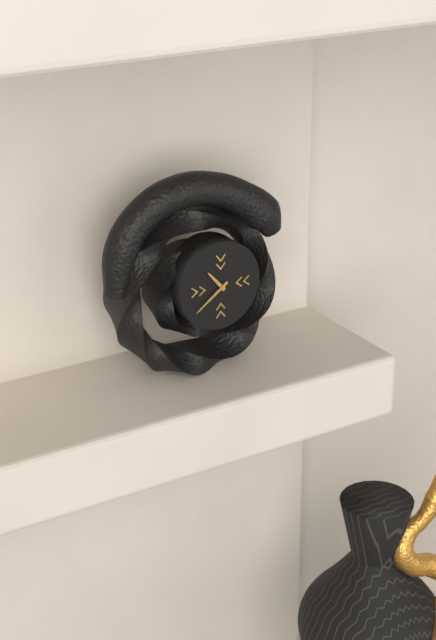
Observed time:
h=10 m=39
